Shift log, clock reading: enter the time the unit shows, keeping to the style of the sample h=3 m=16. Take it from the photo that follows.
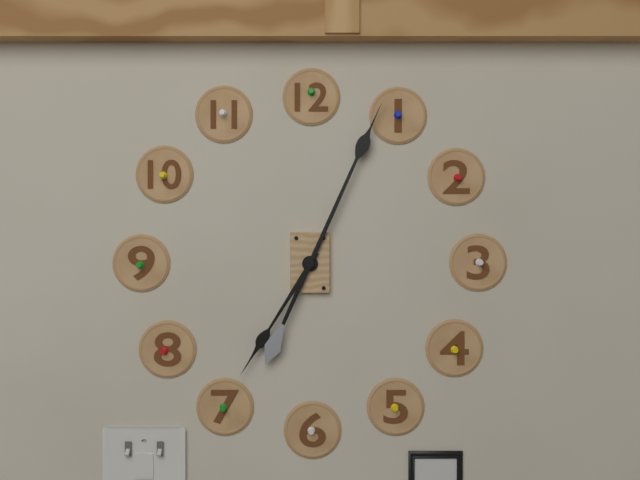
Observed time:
h=7 m=4
